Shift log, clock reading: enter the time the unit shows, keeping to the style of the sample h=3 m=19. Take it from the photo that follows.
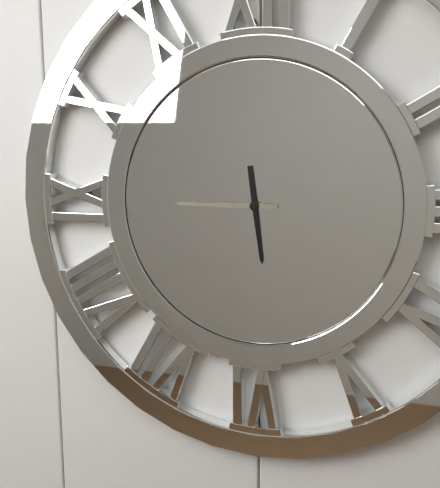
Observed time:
h=5 m=45
